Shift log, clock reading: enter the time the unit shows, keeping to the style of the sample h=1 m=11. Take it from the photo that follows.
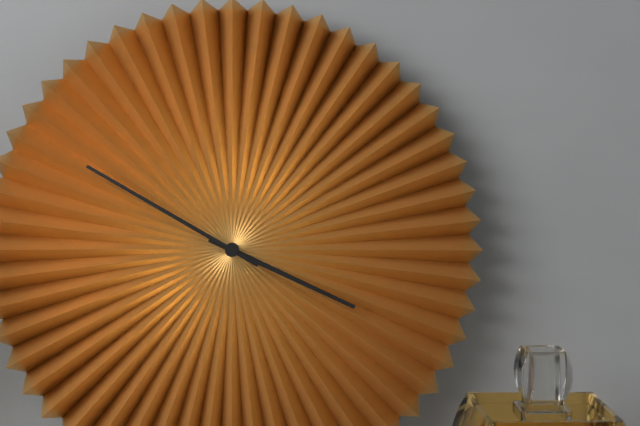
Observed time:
h=3 m=50
